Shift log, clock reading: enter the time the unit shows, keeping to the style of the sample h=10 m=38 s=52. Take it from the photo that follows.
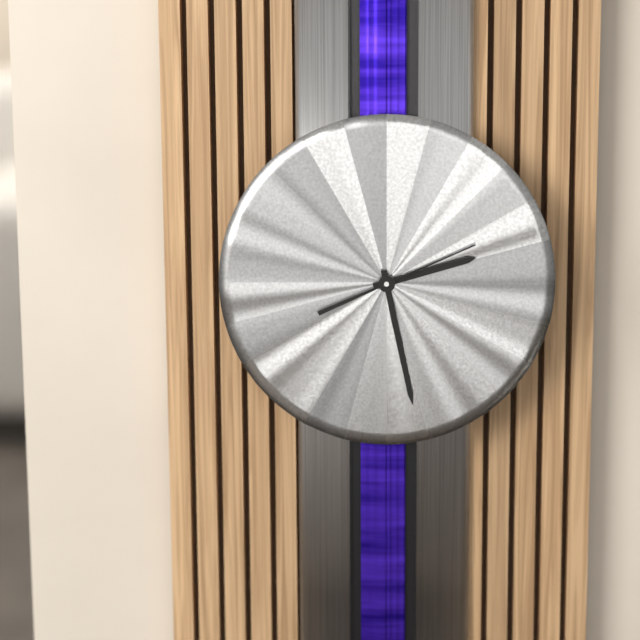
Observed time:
h=2 m=28 s=11
